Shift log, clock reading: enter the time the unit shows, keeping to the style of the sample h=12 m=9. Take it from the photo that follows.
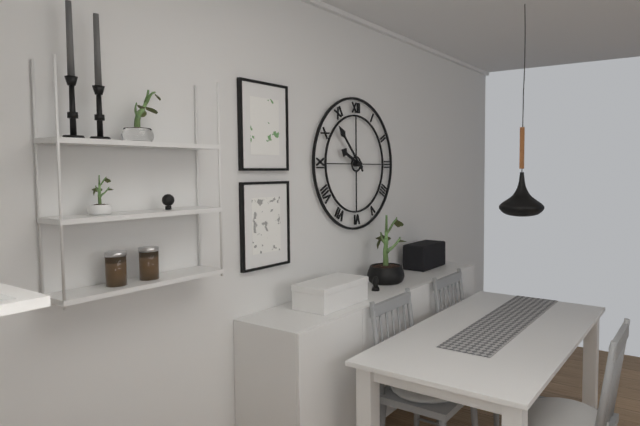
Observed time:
h=9 m=53
